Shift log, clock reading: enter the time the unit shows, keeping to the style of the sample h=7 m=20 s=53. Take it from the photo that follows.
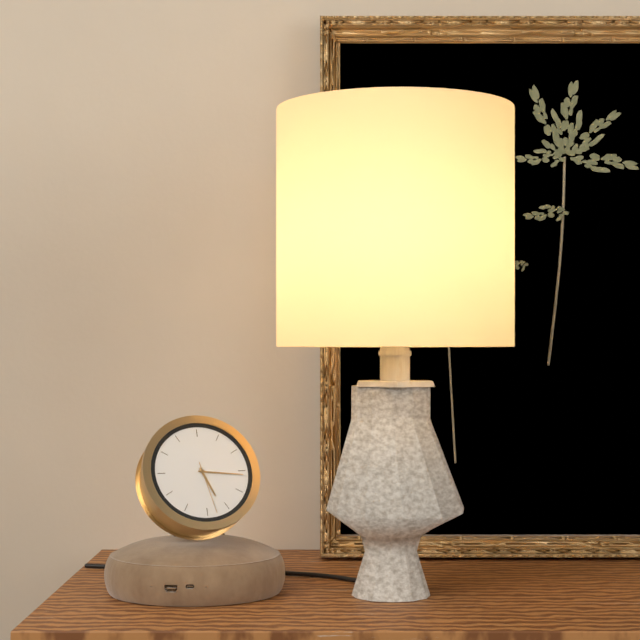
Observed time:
h=5 m=16 s=28
